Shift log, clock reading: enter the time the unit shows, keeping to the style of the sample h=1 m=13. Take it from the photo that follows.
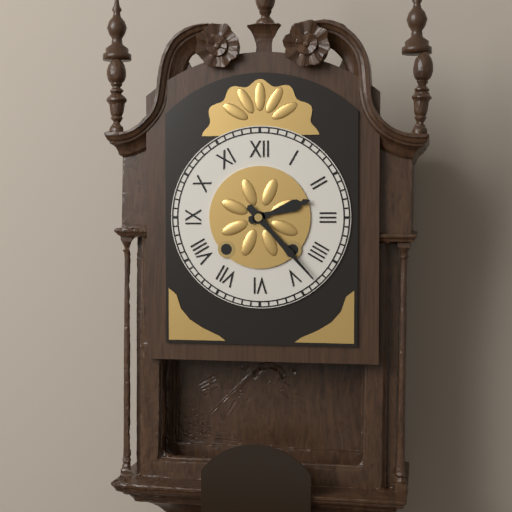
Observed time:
h=2 m=23
